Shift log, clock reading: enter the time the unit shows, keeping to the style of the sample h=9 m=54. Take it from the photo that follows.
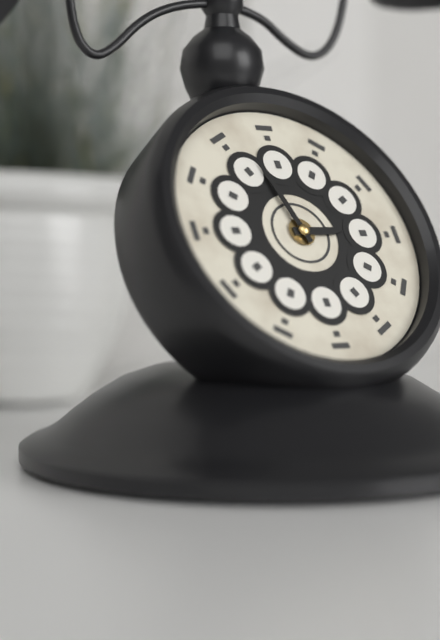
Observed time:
h=2 m=57
